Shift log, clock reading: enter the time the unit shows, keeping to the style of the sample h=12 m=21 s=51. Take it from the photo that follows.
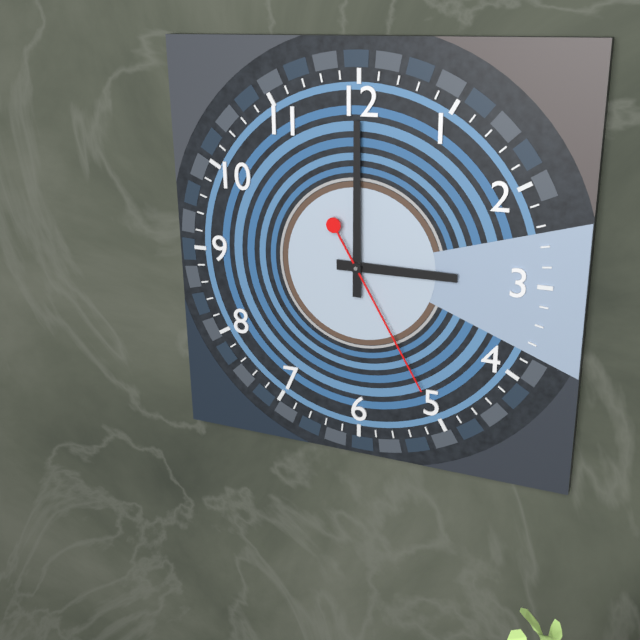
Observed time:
h=3 m=0 s=25
